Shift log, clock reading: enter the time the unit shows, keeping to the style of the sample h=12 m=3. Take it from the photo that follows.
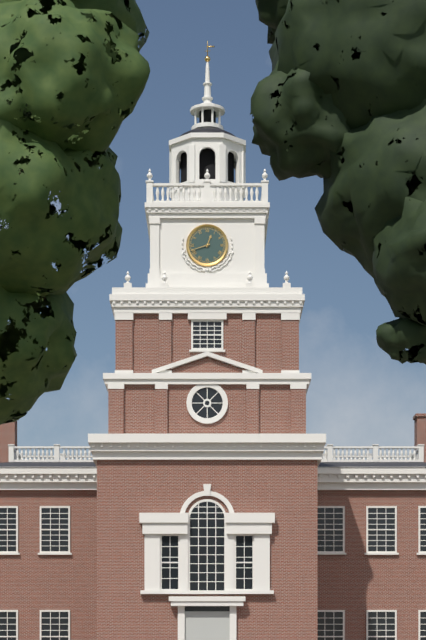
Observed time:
h=12 m=42
